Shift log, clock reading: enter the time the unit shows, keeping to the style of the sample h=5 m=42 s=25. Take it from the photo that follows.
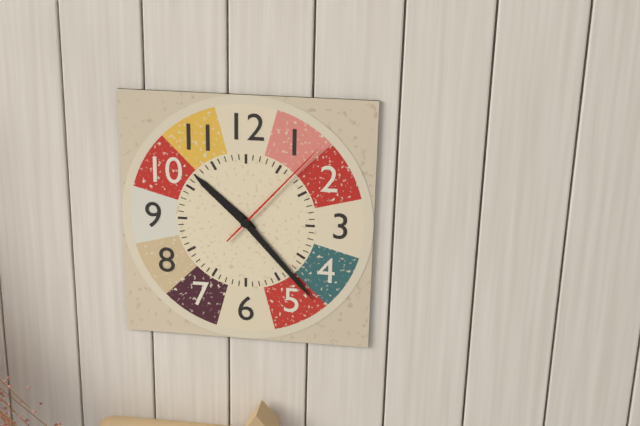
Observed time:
h=10 m=23 s=7
